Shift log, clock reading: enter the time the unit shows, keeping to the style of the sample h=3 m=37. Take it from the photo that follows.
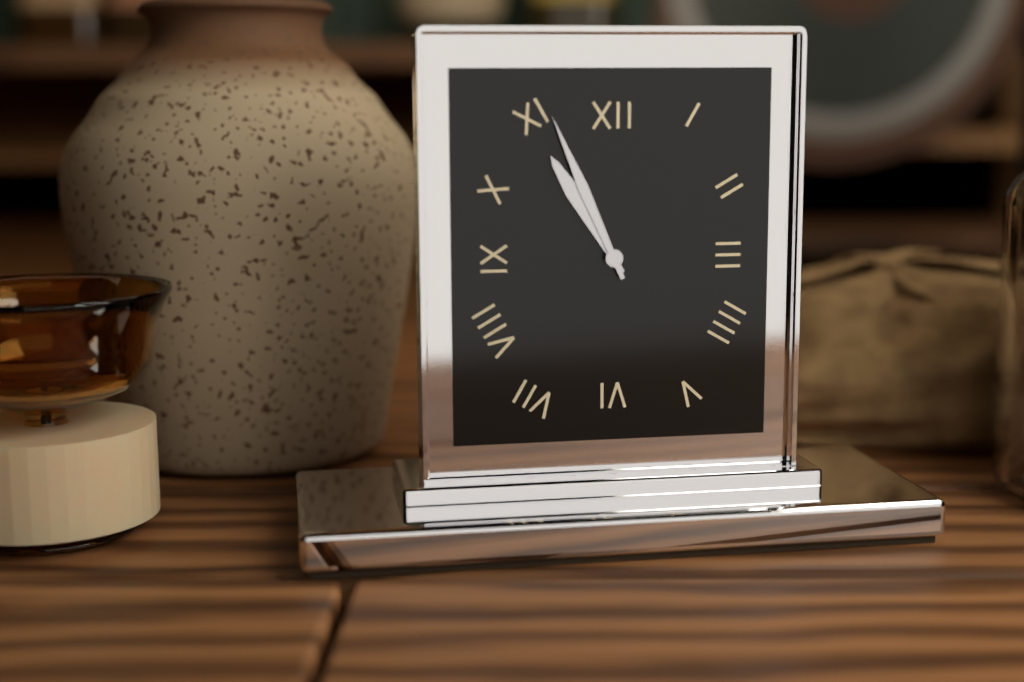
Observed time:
h=10 m=56
